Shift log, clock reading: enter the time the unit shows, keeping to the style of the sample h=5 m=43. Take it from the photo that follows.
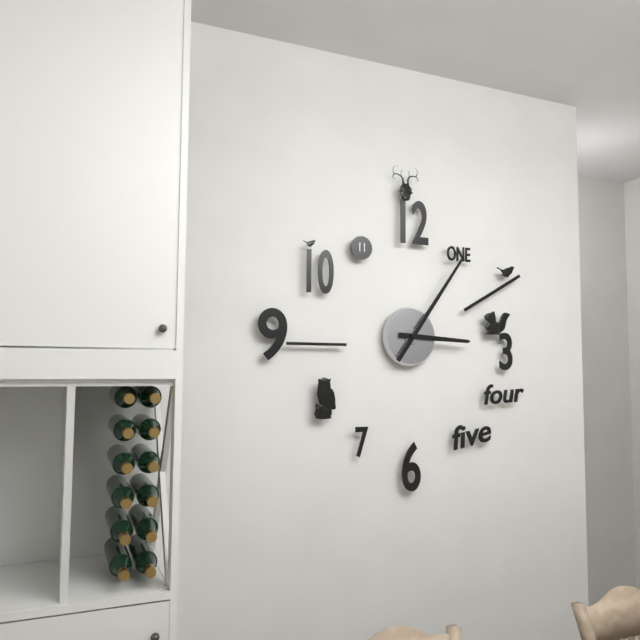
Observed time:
h=3 m=6
